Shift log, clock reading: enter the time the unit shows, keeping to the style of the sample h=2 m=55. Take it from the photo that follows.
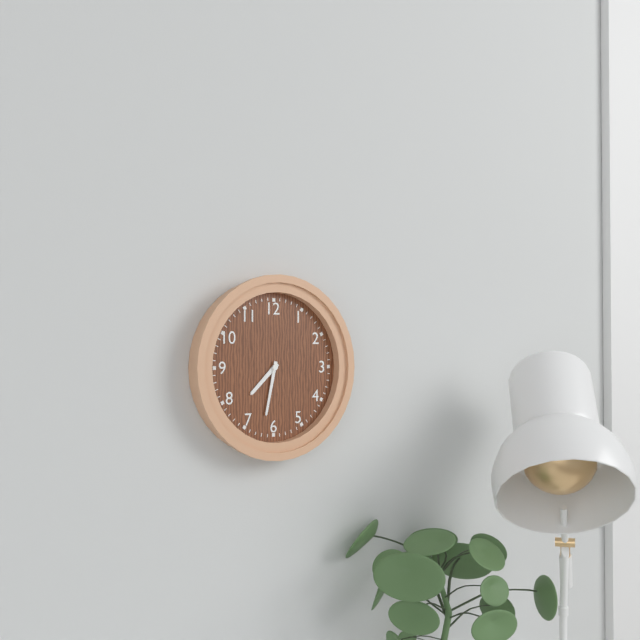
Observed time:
h=7 m=32
